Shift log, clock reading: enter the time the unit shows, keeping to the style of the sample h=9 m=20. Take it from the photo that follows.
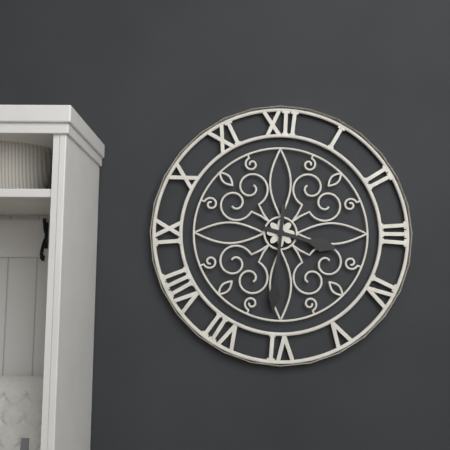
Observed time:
h=3 m=31
